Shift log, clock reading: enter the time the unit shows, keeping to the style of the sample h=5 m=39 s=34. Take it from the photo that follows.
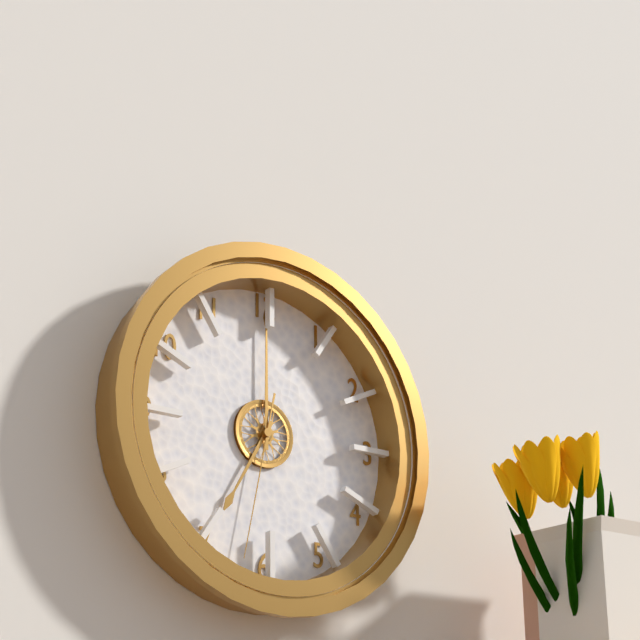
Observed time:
h=7 m=0 s=32
